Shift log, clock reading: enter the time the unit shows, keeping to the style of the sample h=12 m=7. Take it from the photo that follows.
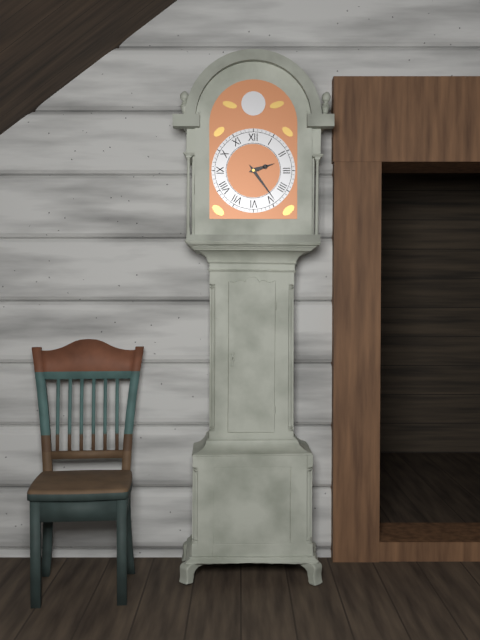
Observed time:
h=2 m=24
